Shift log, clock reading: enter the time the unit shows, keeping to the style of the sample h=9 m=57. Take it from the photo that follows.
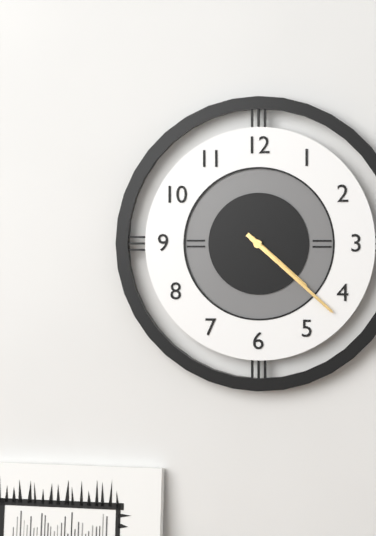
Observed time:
h=4 m=22
